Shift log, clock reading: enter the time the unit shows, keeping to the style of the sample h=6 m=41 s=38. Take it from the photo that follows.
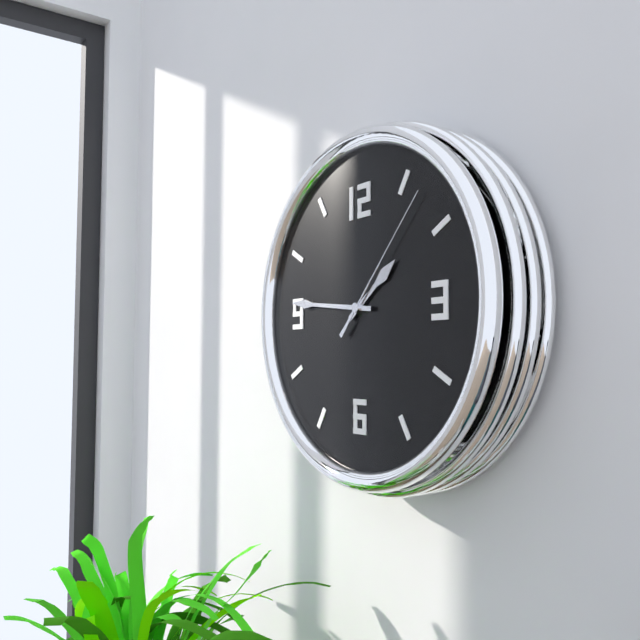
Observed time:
h=1 m=46 s=7
